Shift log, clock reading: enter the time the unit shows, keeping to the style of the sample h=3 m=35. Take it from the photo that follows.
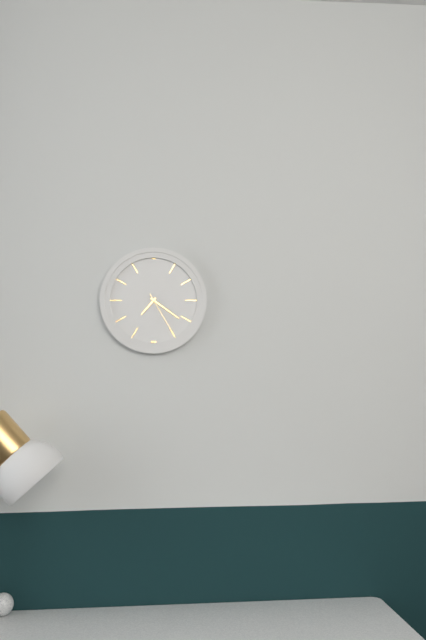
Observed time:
h=7 m=21
